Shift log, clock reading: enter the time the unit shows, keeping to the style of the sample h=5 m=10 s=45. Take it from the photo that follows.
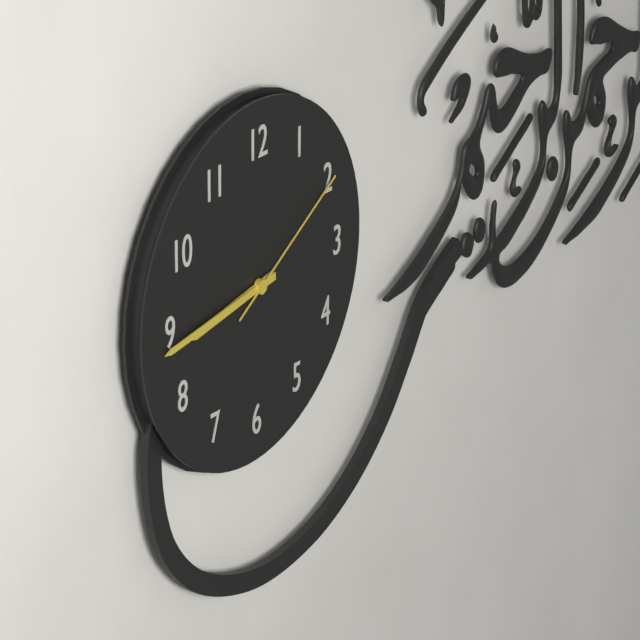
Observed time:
h=8 m=44 s=10
